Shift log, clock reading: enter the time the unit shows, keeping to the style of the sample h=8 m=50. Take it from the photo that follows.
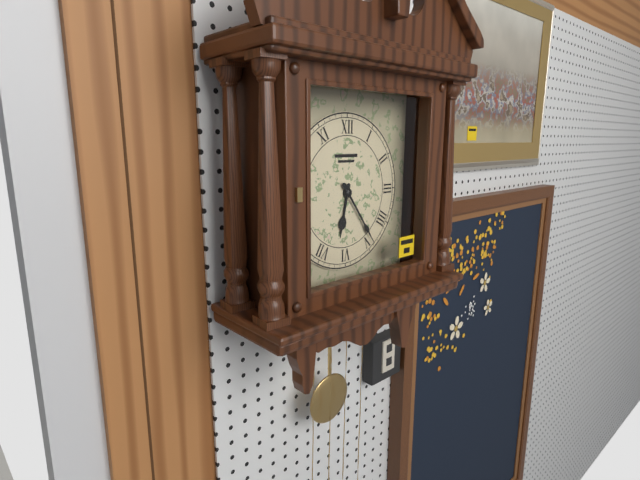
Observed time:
h=6 m=24
